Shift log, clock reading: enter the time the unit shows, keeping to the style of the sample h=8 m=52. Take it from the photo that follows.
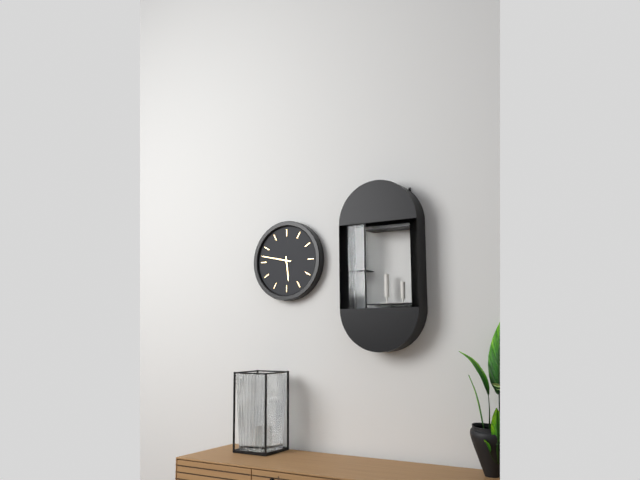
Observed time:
h=5 m=47
